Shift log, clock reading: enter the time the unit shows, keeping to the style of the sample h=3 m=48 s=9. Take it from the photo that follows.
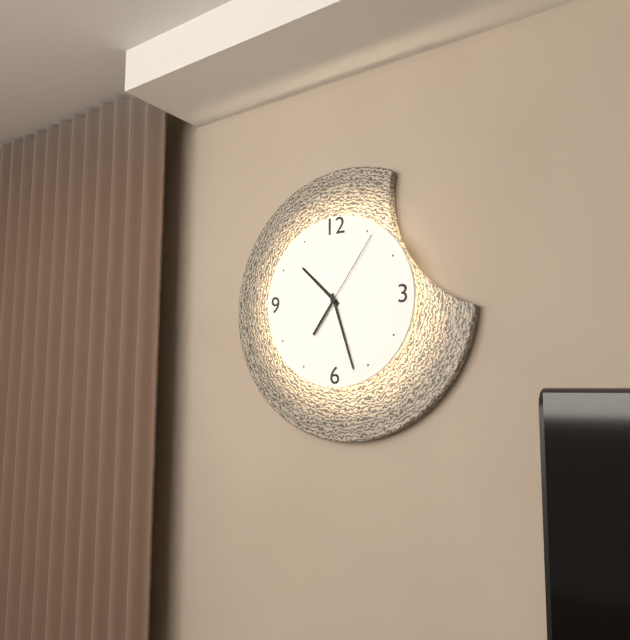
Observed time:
h=10 m=27 s=6
